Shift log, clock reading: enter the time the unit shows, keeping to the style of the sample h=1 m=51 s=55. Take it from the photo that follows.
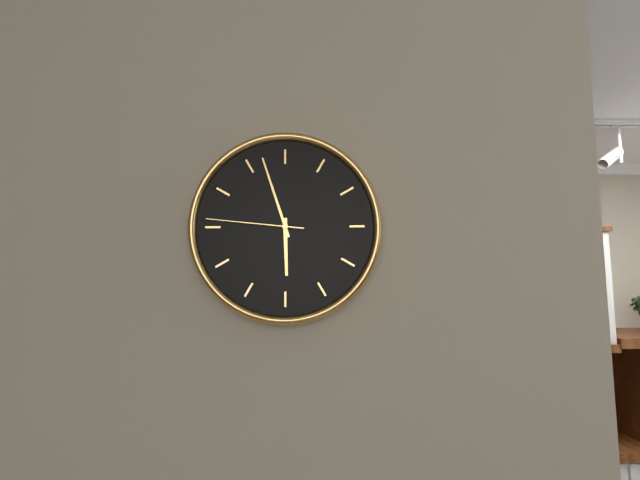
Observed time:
h=5 m=57 s=46
